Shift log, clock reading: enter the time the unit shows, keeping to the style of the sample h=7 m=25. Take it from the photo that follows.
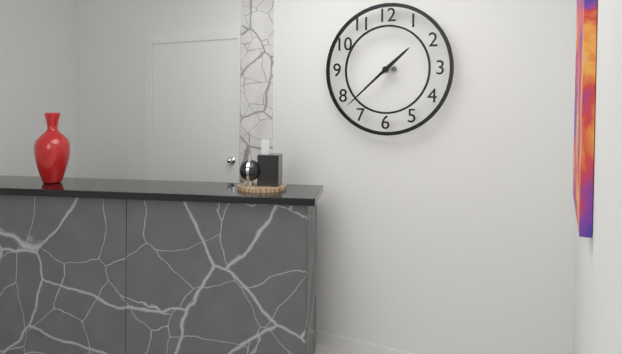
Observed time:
h=1 m=38
